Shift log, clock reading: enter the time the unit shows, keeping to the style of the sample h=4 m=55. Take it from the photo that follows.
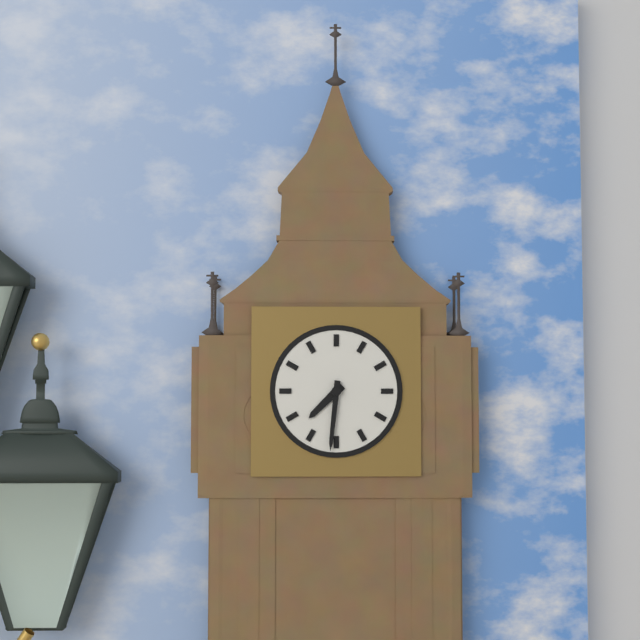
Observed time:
h=7 m=31
